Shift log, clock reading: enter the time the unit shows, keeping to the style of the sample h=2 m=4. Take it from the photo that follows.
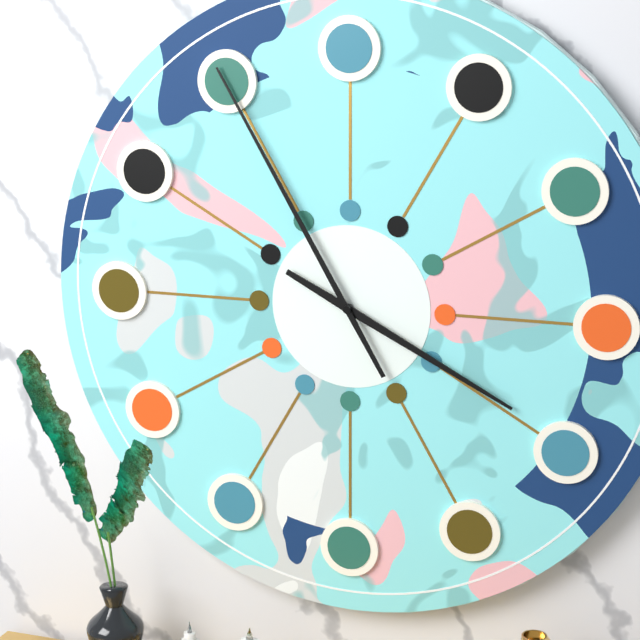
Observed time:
h=3 m=55
